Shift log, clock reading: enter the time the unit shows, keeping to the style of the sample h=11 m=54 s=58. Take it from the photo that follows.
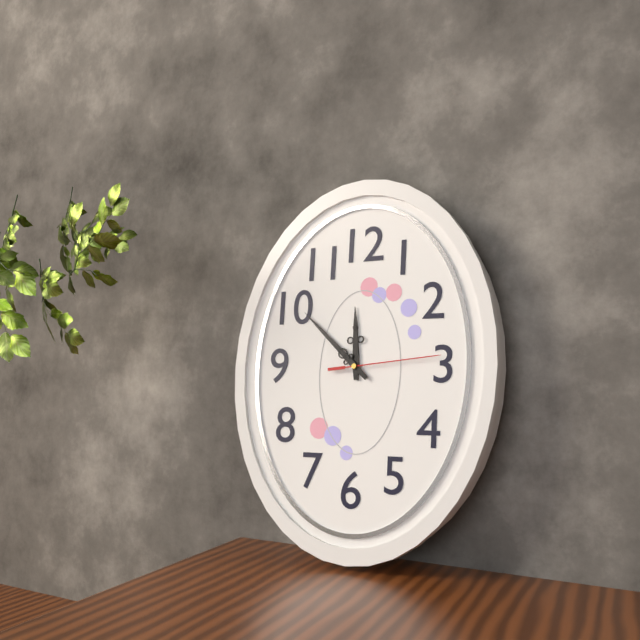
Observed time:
h=11 m=52 s=14
